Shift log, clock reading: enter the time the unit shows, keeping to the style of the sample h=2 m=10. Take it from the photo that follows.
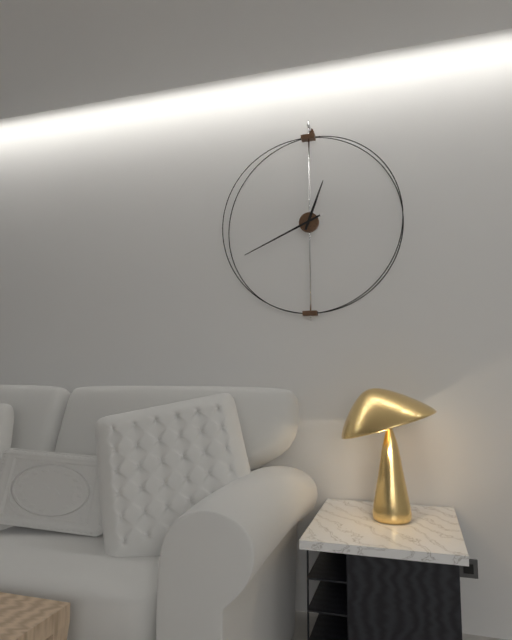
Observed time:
h=12 m=41
